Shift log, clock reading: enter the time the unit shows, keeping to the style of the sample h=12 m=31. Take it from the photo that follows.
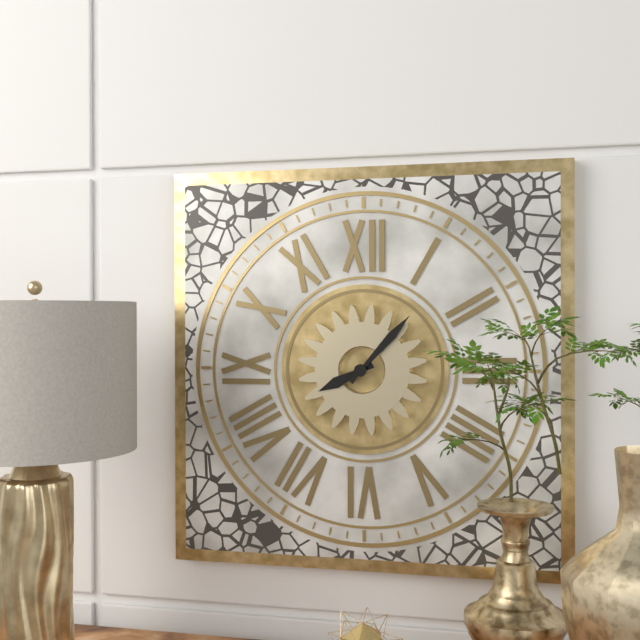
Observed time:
h=8 m=7
